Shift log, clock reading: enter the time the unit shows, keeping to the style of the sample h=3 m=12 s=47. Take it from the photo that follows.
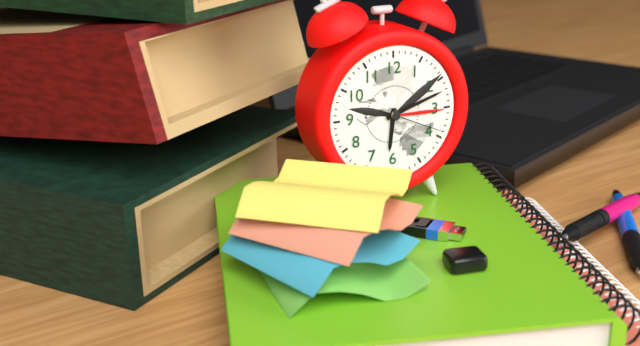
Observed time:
h=6 m=12 s=19
